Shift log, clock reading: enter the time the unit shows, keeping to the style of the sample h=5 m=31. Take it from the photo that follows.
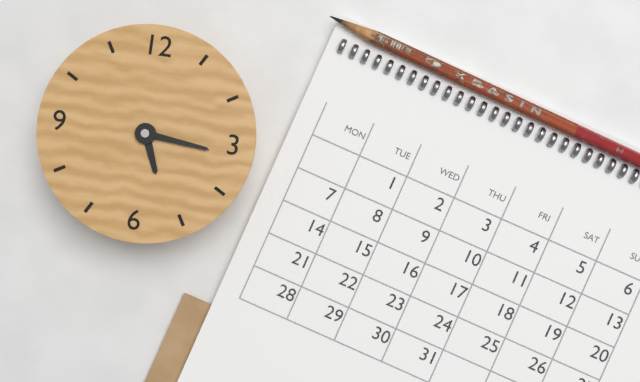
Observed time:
h=5 m=16
